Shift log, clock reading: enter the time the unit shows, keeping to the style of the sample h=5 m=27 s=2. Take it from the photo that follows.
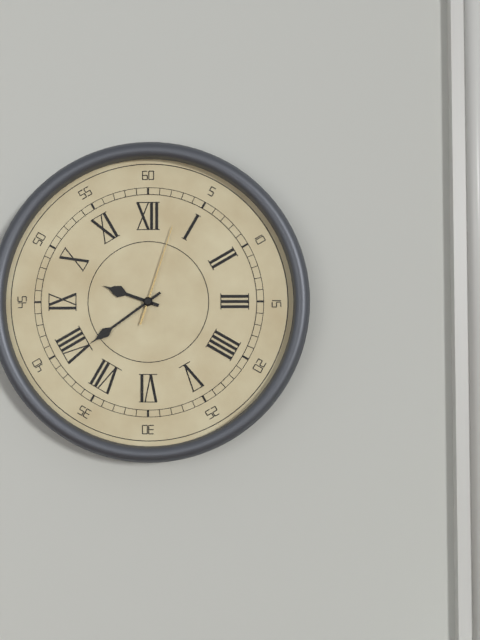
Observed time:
h=9 m=39 s=3
